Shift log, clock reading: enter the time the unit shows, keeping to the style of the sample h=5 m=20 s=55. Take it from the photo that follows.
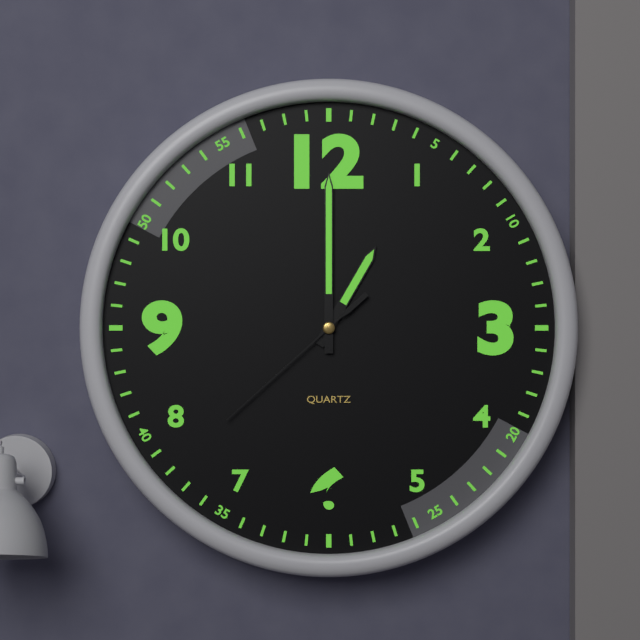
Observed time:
h=1 m=0 s=38
